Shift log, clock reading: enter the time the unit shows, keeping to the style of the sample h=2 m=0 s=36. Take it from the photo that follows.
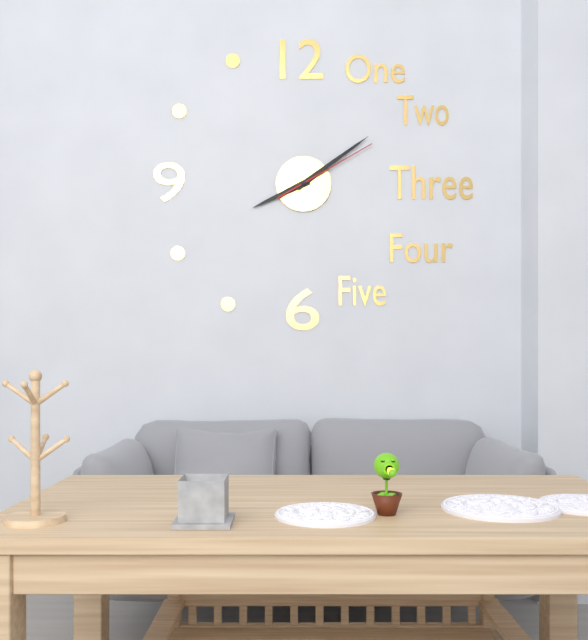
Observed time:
h=8 m=9 s=10
